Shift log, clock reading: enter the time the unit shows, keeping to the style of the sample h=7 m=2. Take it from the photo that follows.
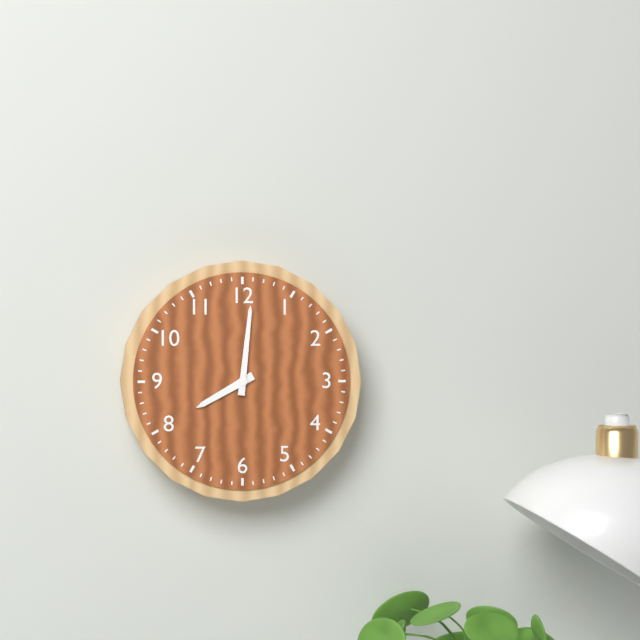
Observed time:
h=8 m=1
